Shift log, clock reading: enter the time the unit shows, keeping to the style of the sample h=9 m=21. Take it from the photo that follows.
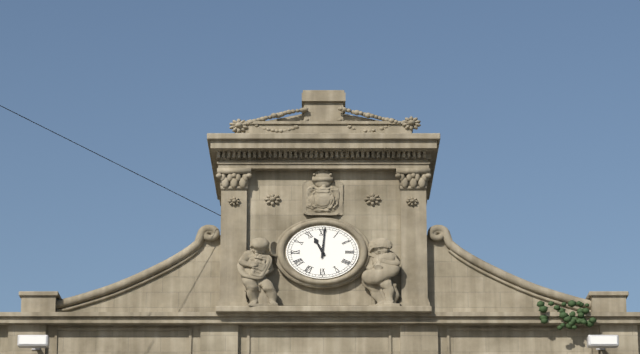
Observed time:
h=11 m=1
